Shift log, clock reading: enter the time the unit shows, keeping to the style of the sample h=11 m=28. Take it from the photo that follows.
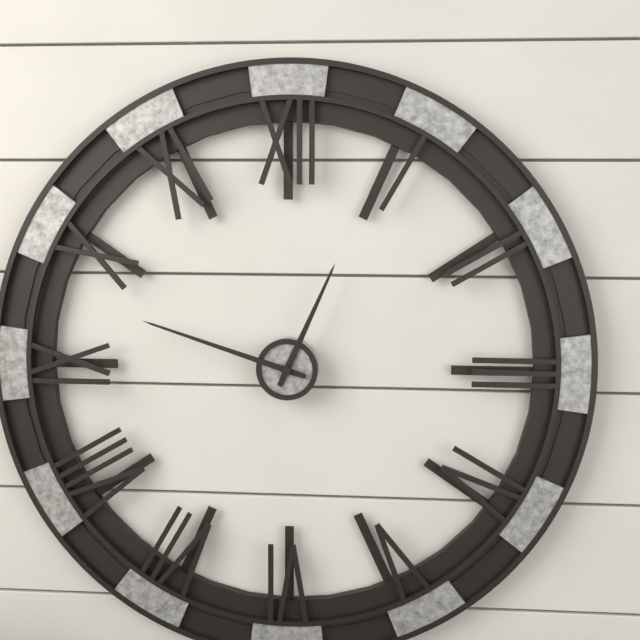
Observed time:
h=12 m=48
